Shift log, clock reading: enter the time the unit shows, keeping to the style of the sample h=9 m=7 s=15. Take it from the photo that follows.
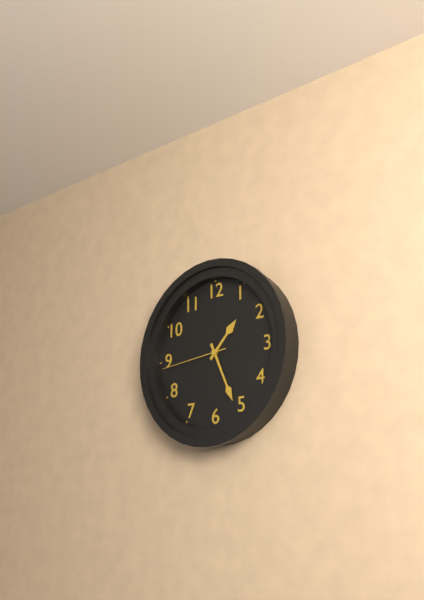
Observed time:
h=1 m=26 s=44
